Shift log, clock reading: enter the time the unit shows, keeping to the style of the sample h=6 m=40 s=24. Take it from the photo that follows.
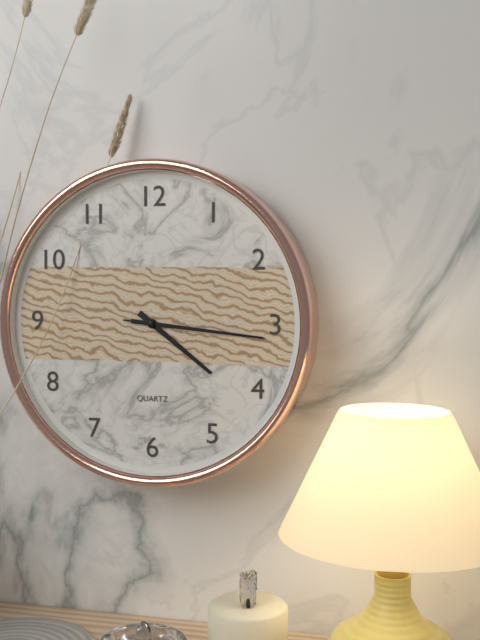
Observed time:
h=4 m=16 s=16
